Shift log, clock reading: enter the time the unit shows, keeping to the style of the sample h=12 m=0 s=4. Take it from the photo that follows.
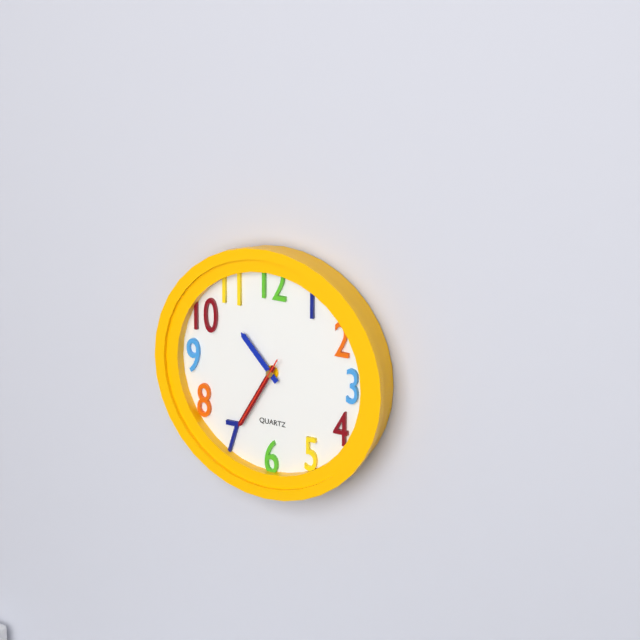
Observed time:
h=10 m=35 s=35
